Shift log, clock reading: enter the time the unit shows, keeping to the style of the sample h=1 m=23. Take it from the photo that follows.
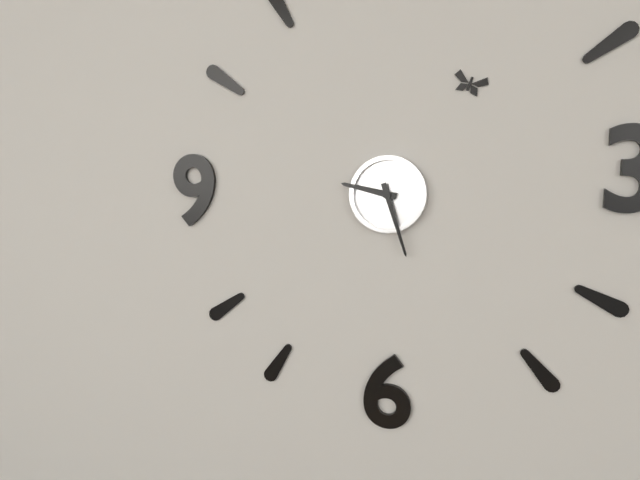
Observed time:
h=9 m=27
